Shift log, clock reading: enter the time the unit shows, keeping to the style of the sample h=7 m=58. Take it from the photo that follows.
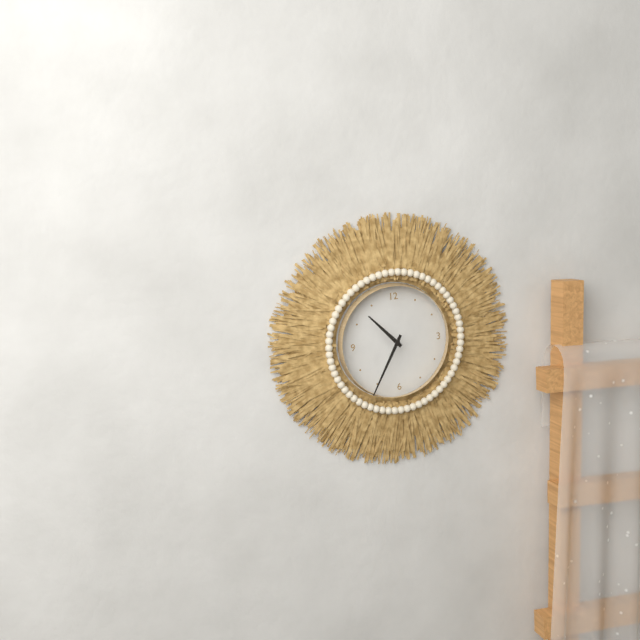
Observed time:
h=10 m=35
